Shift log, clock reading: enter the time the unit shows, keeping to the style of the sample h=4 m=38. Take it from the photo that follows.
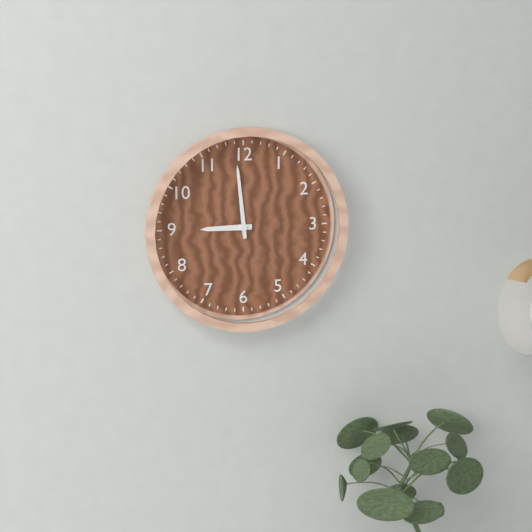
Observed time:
h=8 m=59
